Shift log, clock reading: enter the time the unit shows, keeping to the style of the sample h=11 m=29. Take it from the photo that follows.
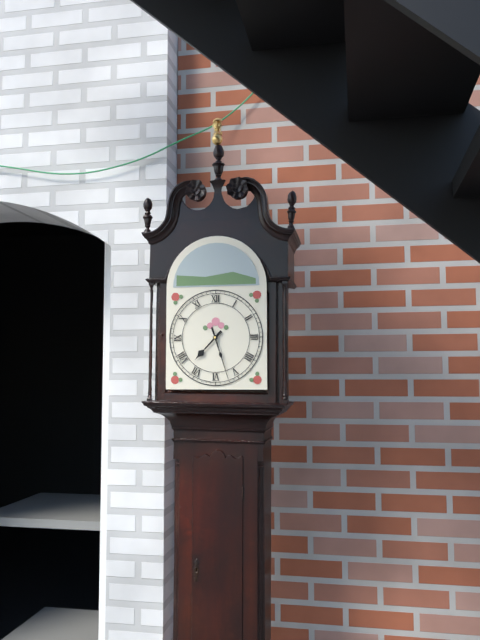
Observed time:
h=7 m=27
